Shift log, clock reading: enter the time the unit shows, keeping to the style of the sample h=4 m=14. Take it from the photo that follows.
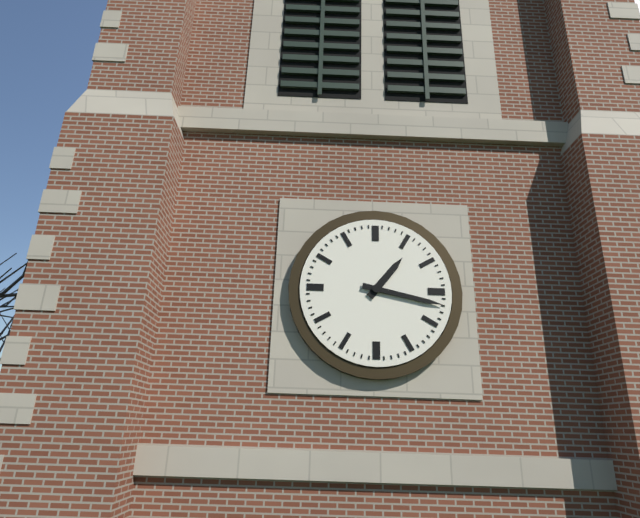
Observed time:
h=1 m=17
